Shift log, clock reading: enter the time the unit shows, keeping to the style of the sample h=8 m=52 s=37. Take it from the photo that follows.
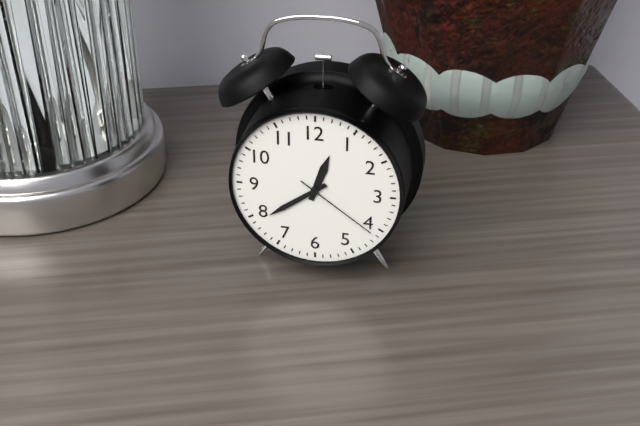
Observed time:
h=12 m=39 s=21
